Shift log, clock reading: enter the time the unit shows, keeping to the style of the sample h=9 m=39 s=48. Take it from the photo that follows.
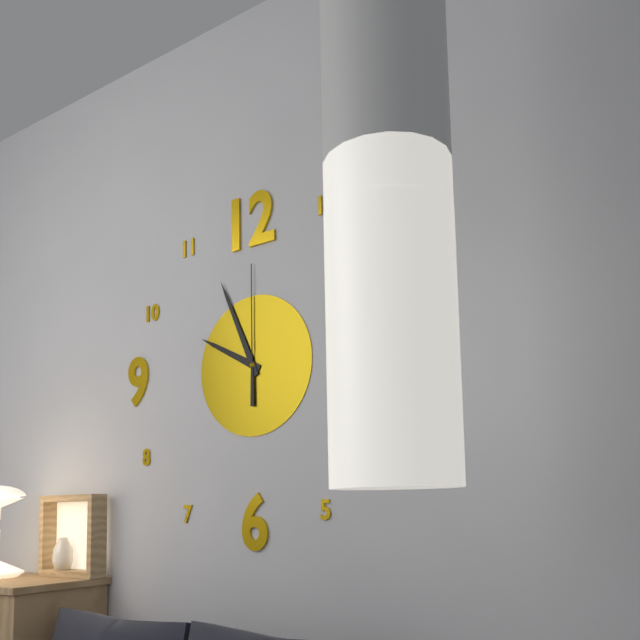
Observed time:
h=9 m=56 s=0
